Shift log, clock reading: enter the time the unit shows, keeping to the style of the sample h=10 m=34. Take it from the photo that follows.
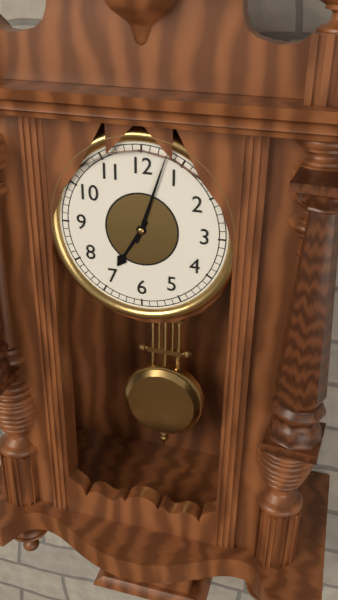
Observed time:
h=7 m=3
